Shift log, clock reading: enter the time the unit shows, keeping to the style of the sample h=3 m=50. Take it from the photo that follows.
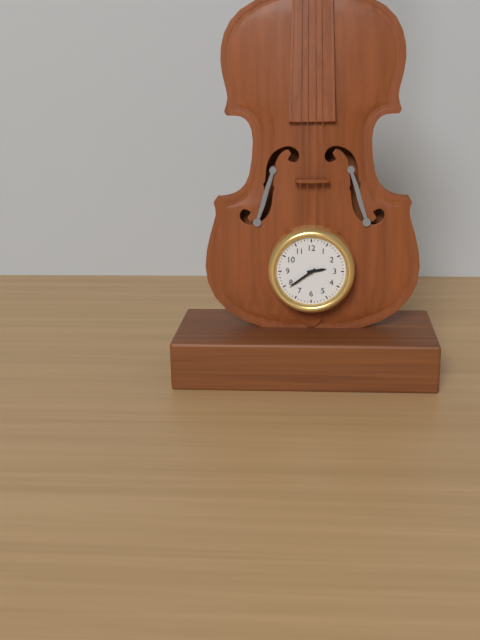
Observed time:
h=2 m=39
